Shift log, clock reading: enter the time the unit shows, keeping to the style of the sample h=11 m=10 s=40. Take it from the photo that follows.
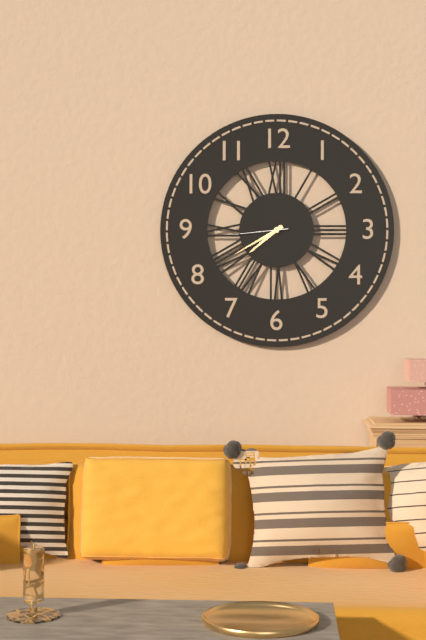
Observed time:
h=7 m=40 s=44
